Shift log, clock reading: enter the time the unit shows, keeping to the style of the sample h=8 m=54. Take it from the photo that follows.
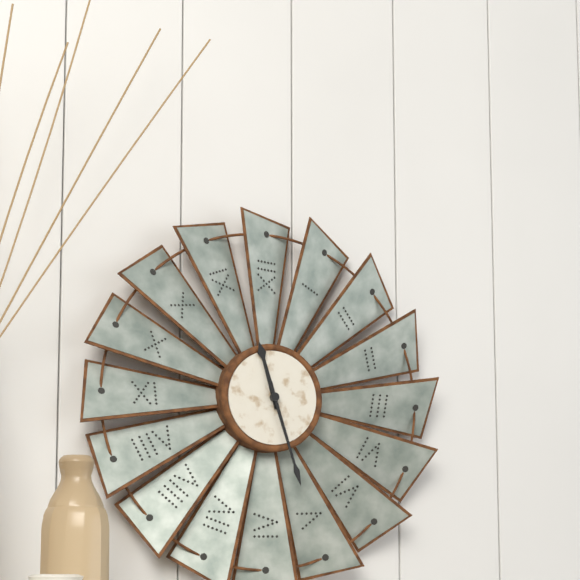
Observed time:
h=11 m=27
